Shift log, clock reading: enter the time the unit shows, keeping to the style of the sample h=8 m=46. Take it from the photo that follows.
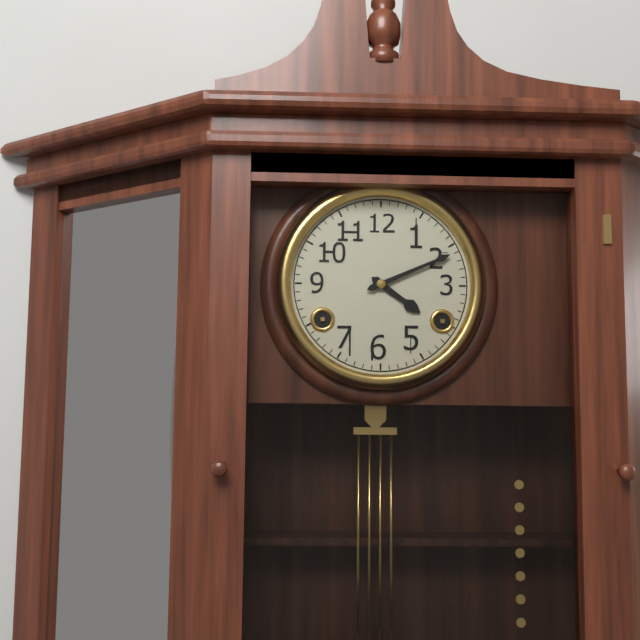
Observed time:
h=4 m=11
